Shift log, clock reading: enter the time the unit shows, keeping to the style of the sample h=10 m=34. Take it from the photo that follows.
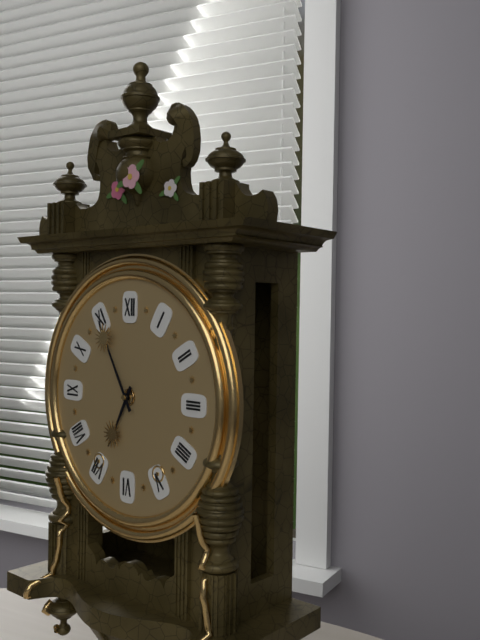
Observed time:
h=6 m=55
